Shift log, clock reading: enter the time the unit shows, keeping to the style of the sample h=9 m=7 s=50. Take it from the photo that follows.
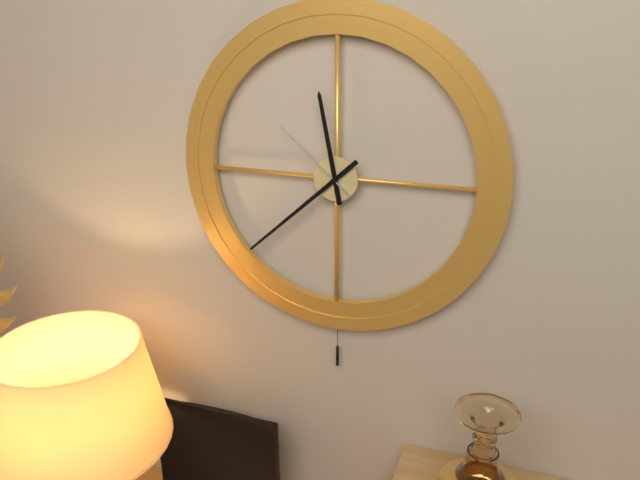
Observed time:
h=11 m=38 s=52
